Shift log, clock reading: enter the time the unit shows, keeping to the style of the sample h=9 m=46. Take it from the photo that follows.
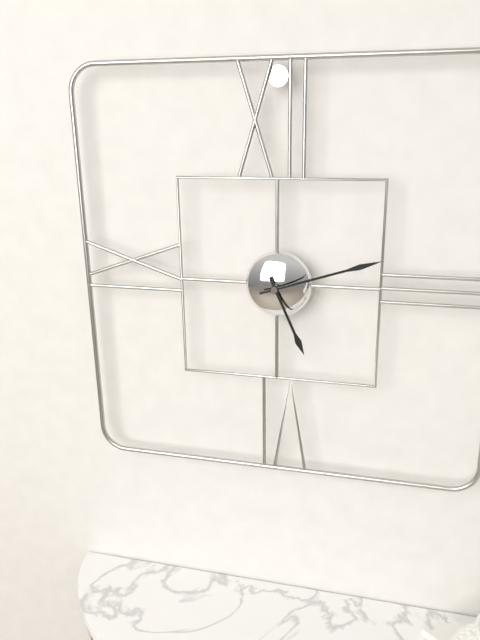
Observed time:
h=5 m=12
